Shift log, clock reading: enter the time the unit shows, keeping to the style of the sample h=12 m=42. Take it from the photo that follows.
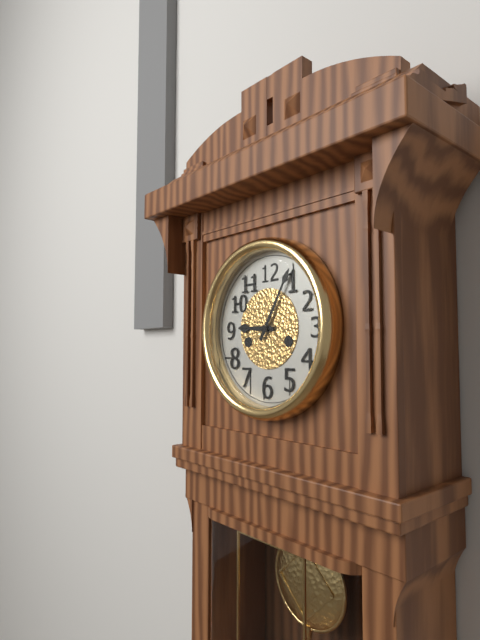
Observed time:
h=9 m=5
